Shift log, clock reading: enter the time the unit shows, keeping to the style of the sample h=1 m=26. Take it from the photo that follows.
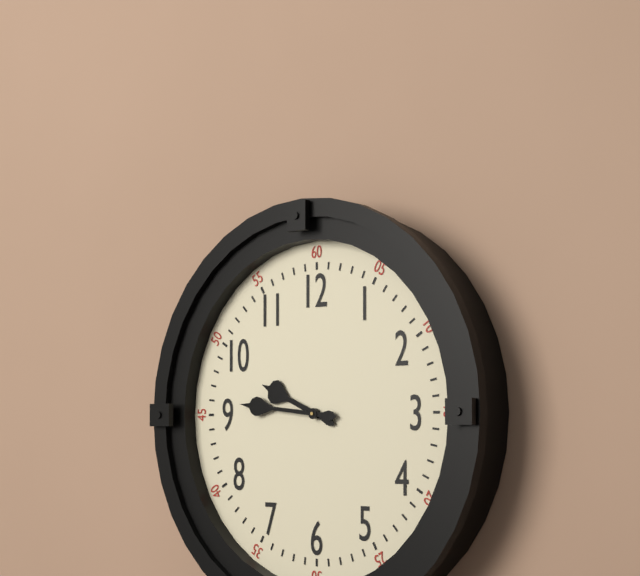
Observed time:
h=9 m=46
